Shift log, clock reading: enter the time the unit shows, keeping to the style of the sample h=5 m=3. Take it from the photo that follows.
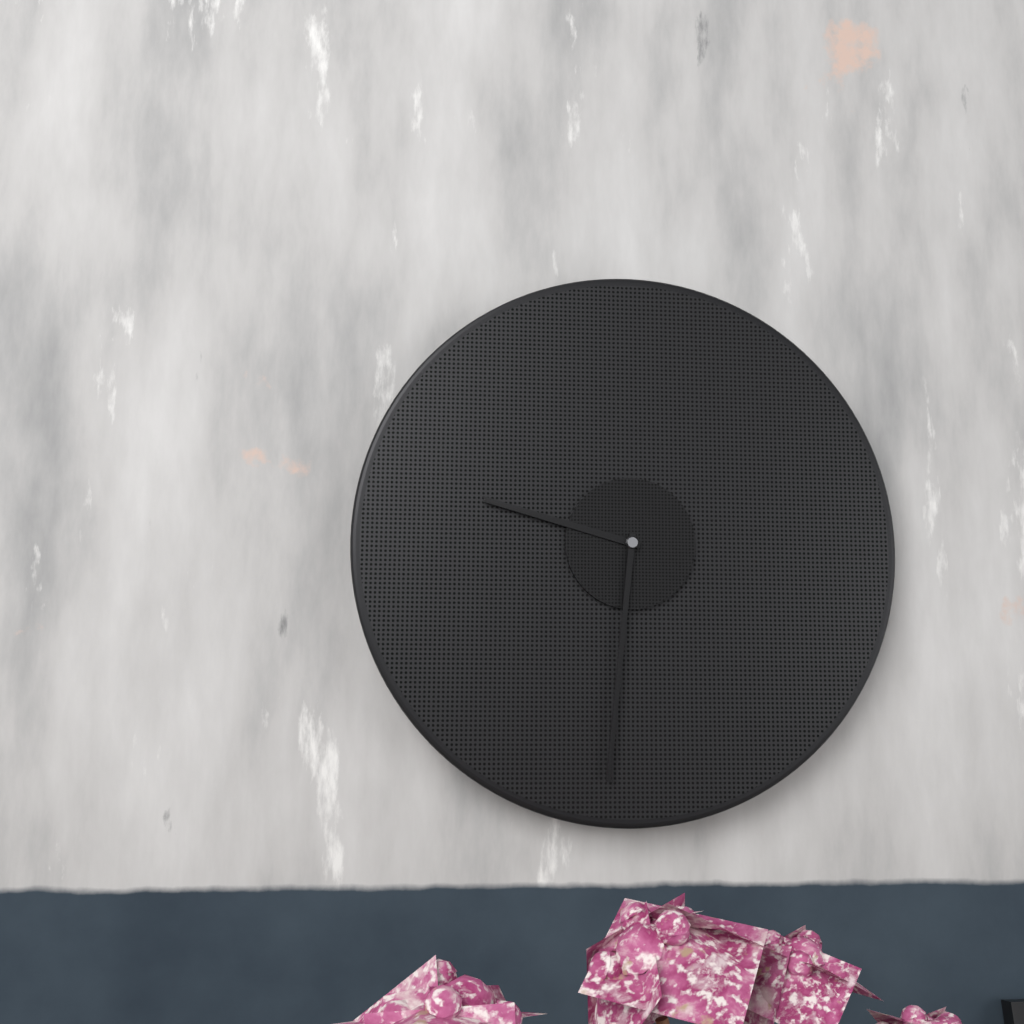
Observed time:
h=9 m=31
